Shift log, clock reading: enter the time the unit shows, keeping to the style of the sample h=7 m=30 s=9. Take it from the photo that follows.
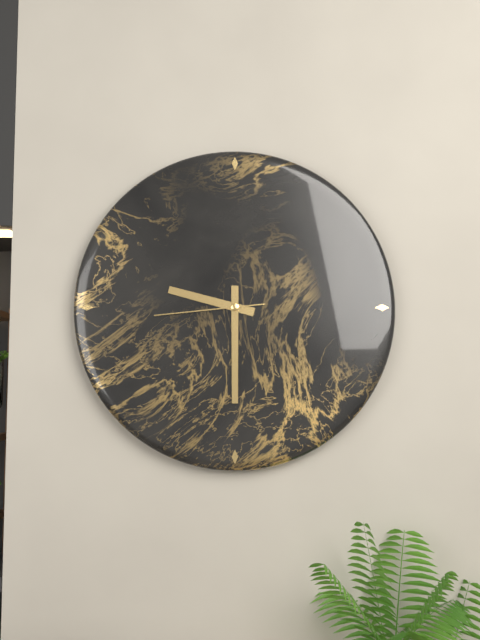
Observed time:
h=9 m=30 s=44
